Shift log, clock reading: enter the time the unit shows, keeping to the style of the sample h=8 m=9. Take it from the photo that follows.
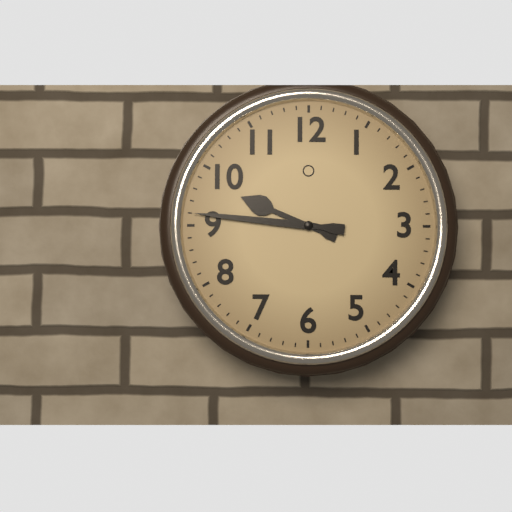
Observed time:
h=9 m=46
